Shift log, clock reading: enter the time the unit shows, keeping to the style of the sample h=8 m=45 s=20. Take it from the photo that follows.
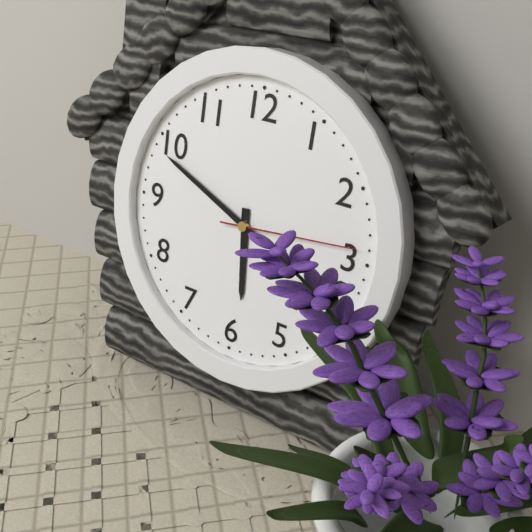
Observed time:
h=5 m=49 s=14
